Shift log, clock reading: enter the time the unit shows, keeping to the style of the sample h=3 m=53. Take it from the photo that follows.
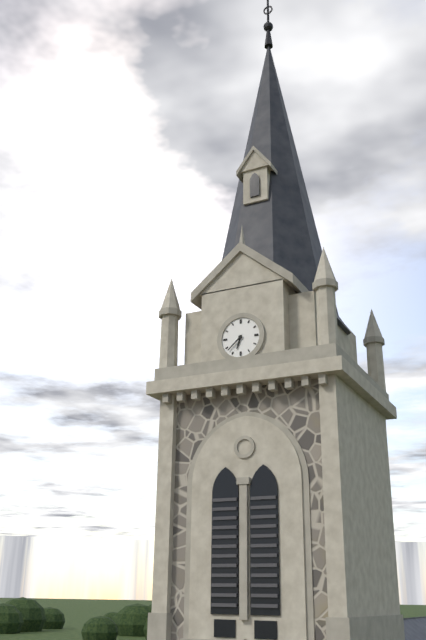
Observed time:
h=6 m=38
